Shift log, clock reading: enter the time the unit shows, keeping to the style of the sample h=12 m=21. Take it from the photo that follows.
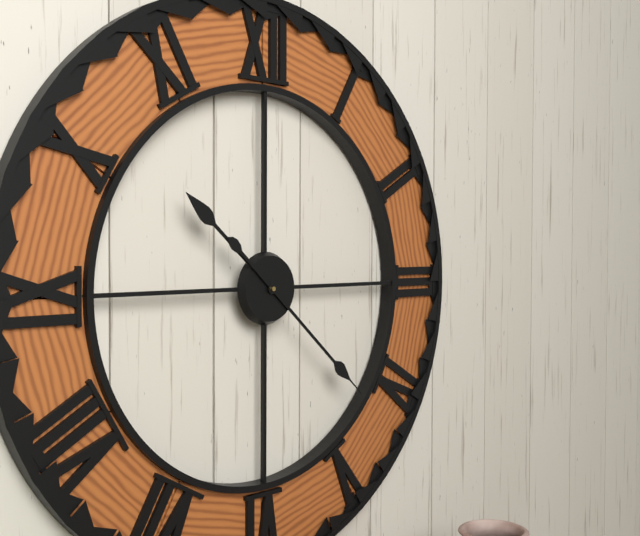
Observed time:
h=10 m=22
